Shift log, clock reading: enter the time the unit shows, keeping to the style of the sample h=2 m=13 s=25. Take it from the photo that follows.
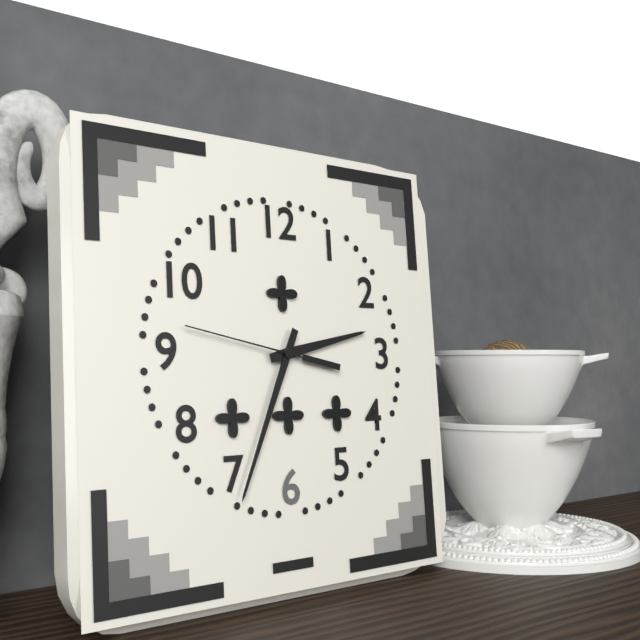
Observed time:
h=2 m=34 s=47
